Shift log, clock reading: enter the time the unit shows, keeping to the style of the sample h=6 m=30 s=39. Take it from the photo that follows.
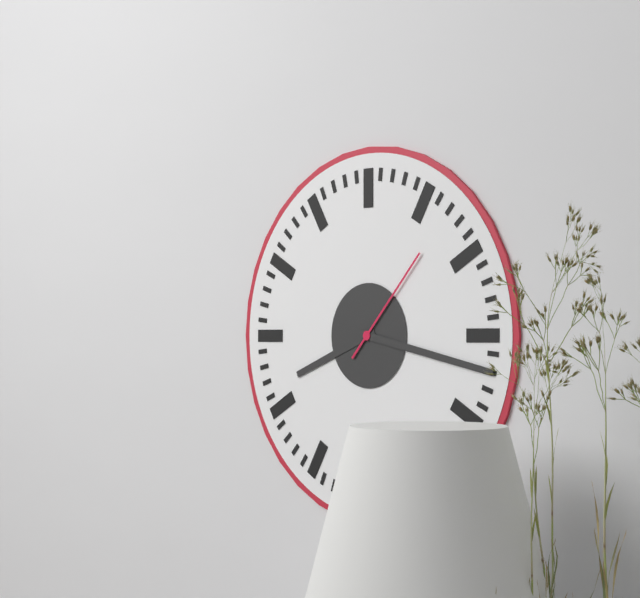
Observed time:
h=8 m=17 s=7
